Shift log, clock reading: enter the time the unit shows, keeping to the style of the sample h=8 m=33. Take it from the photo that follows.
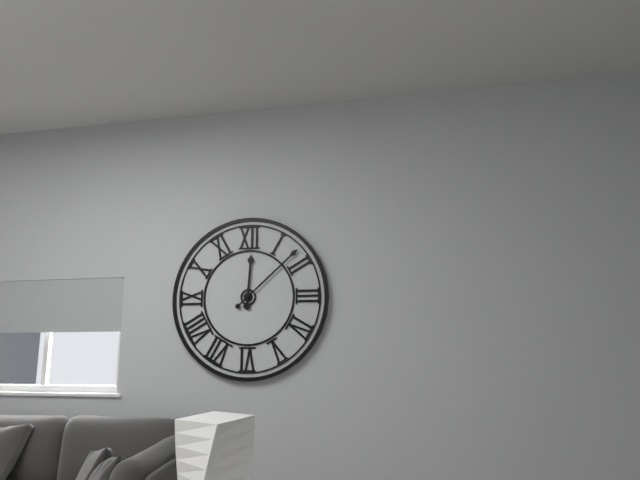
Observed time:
h=12 m=8
